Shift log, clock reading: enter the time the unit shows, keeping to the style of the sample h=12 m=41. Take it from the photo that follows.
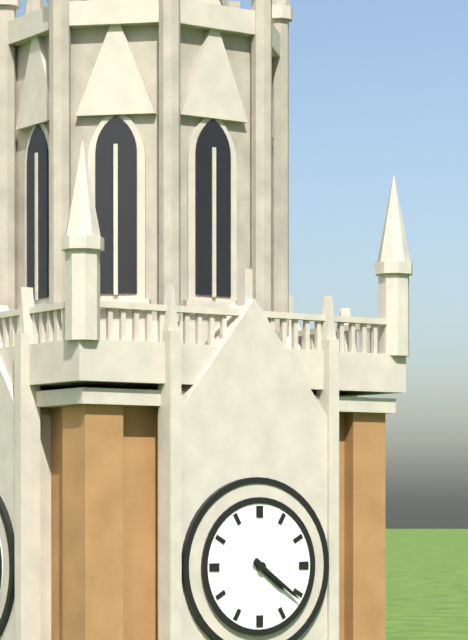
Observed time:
h=4 m=21
